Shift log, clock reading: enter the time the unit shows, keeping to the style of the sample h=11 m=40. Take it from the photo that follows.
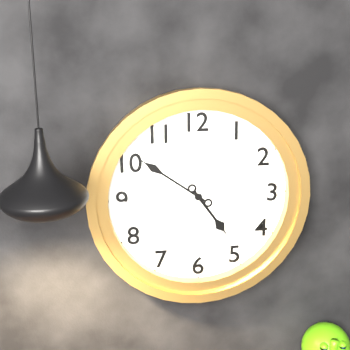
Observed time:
h=4 m=51
